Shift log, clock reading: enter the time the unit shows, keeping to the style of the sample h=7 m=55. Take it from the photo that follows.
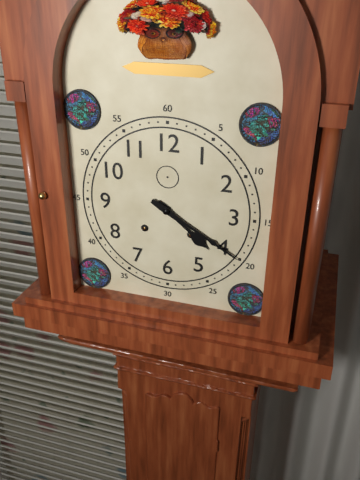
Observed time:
h=4 m=20
